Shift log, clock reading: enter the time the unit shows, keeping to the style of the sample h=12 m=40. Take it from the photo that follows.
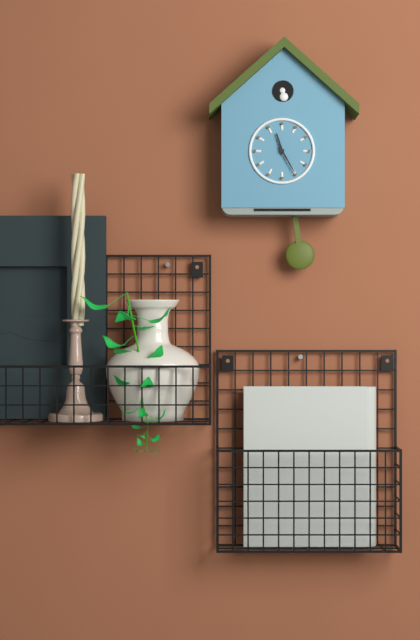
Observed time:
h=11 m=25
